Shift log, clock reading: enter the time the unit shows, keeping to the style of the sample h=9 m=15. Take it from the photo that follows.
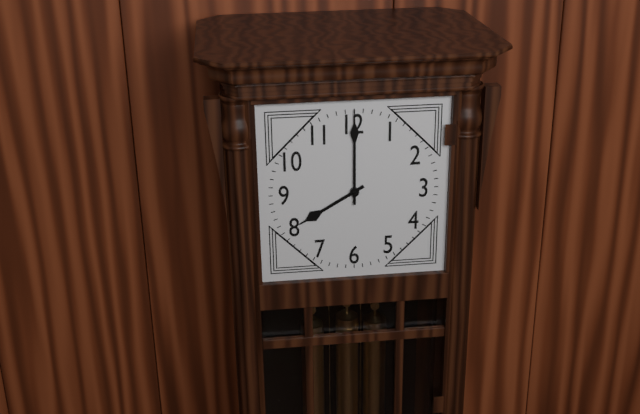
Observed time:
h=8 m=0
